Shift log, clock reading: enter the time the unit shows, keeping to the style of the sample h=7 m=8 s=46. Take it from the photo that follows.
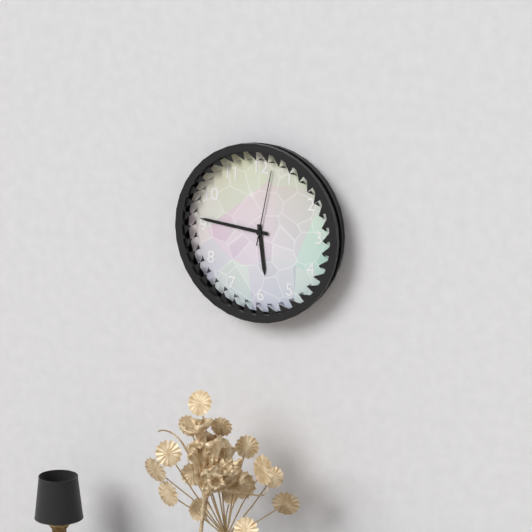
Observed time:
h=5 m=46 s=2
